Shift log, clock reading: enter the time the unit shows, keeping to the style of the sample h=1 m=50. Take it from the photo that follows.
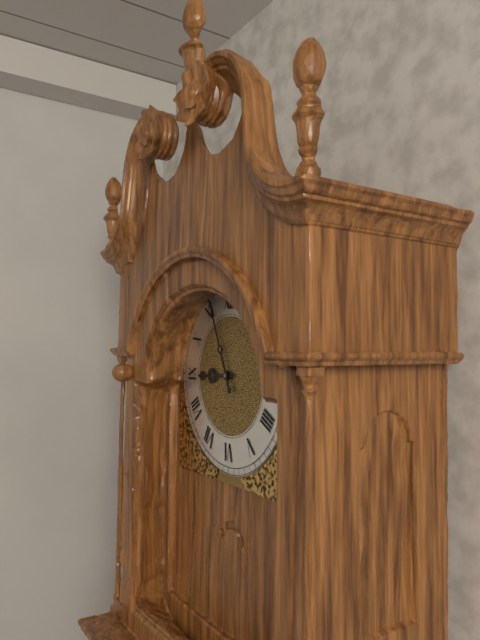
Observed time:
h=8 m=56
